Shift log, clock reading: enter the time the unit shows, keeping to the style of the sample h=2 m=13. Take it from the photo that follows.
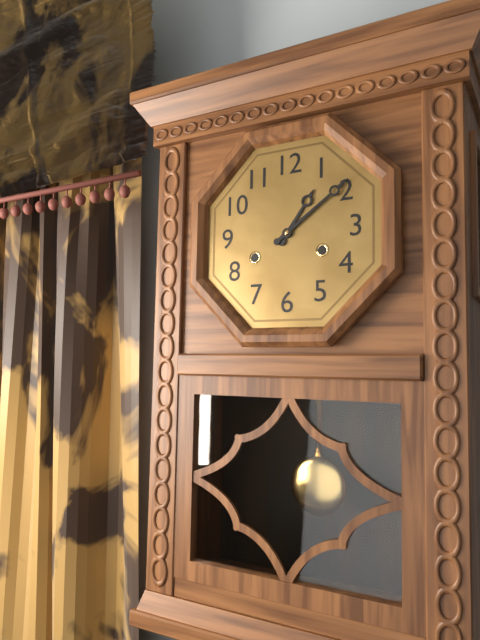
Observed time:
h=1 m=9
